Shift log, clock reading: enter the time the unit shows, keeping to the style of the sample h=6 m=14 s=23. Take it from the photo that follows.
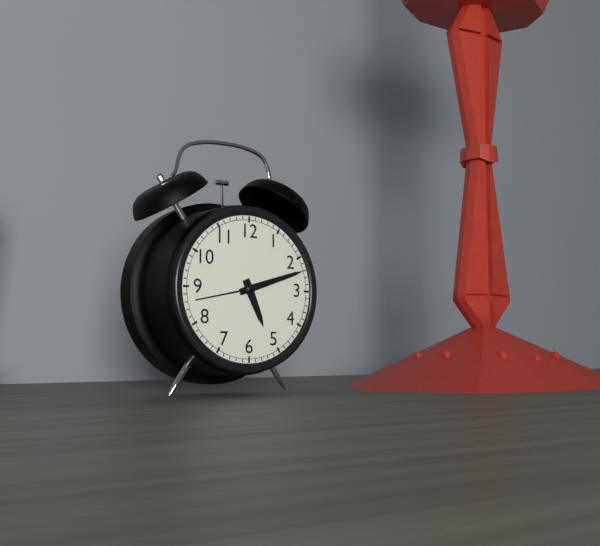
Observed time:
h=5 m=12 s=43
